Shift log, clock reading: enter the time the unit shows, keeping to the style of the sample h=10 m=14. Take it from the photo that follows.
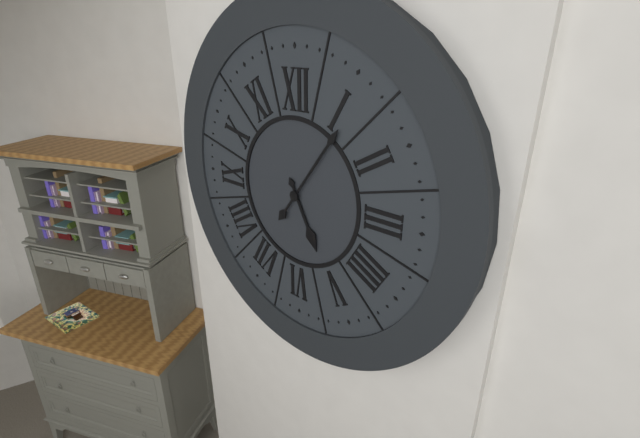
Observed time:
h=5 m=6
